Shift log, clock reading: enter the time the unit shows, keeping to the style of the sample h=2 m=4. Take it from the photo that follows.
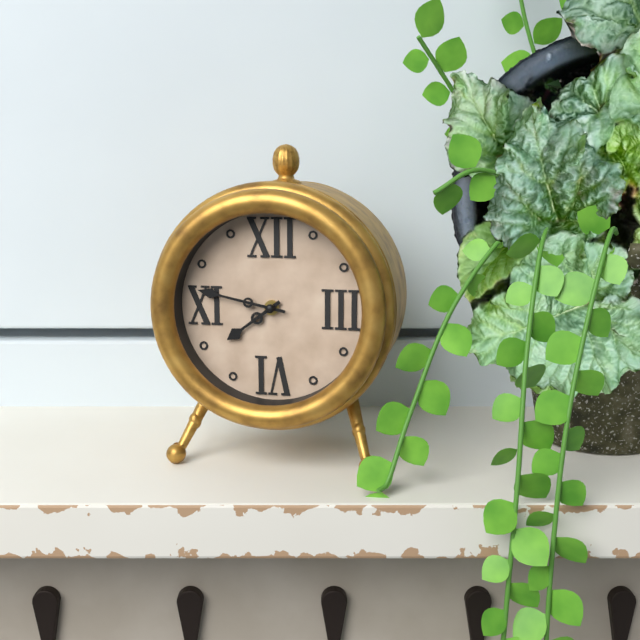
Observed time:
h=7 m=47
